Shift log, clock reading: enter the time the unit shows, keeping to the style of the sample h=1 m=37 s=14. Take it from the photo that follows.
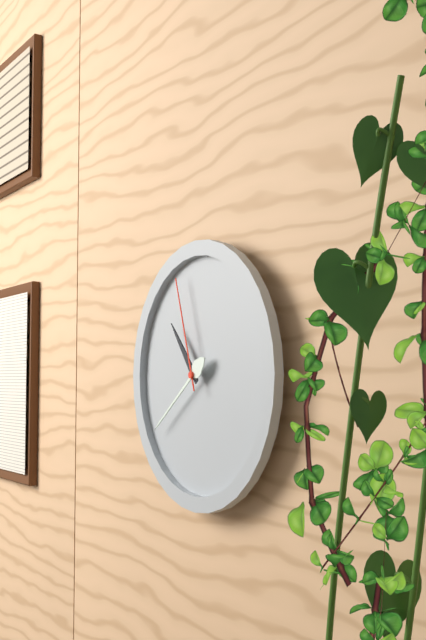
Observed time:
h=10 m=39 s=57
